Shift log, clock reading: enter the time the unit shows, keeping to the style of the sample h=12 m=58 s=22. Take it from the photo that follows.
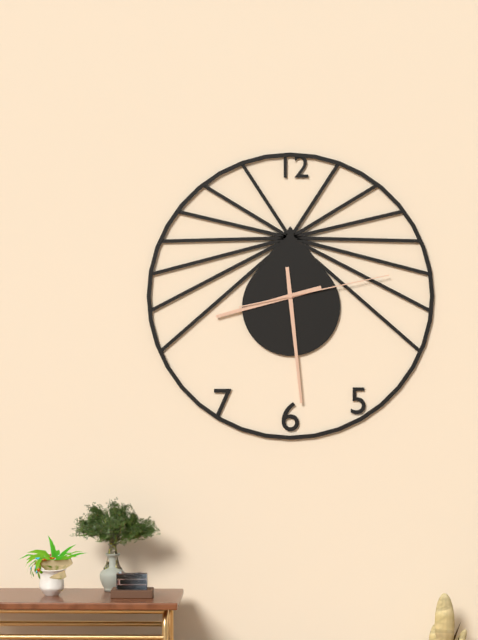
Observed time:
h=8 m=29 s=13
